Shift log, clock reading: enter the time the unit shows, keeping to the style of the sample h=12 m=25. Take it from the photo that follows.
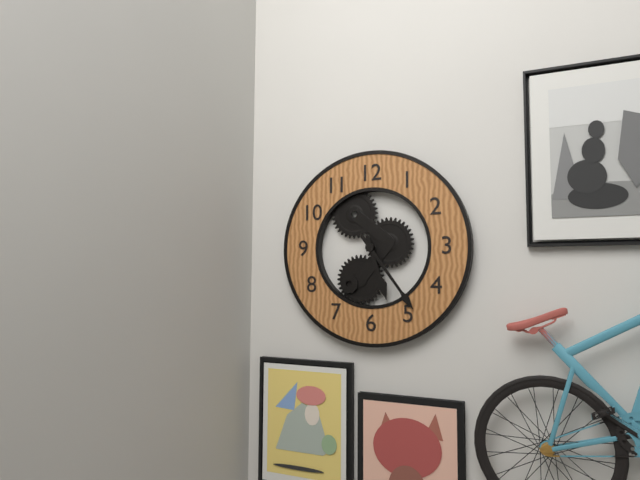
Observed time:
h=5 m=24
